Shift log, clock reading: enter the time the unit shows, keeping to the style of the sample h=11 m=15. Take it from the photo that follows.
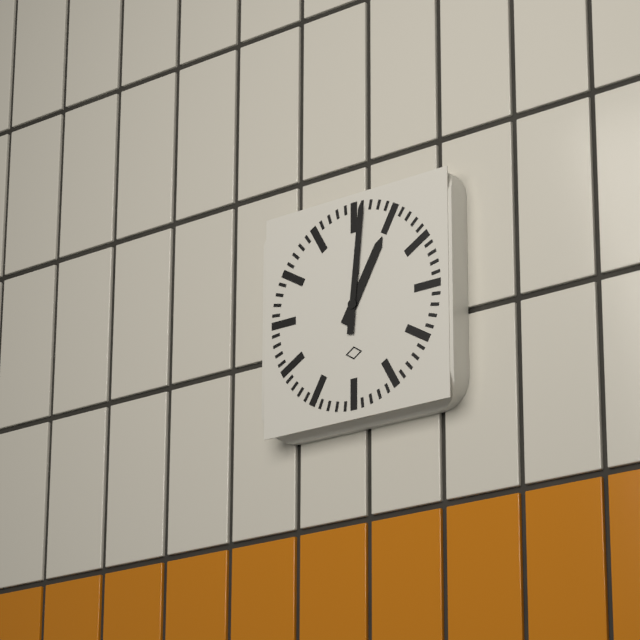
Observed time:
h=1 m=1
